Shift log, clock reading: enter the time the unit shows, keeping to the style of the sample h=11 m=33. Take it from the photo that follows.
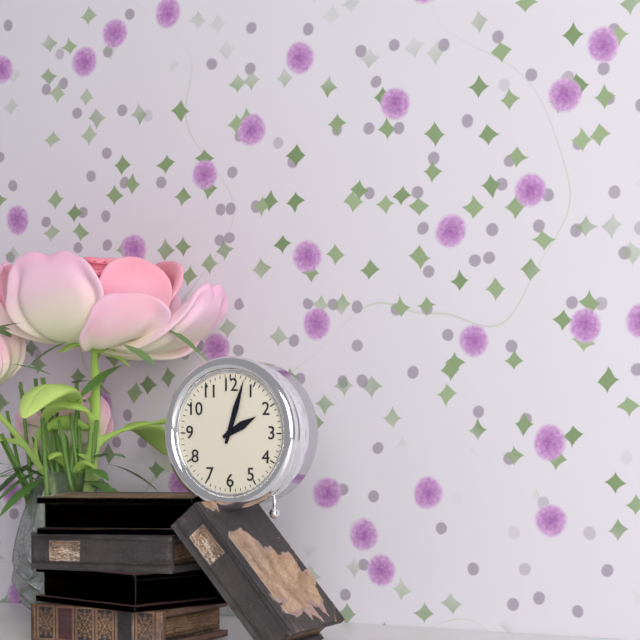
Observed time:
h=2 m=3
